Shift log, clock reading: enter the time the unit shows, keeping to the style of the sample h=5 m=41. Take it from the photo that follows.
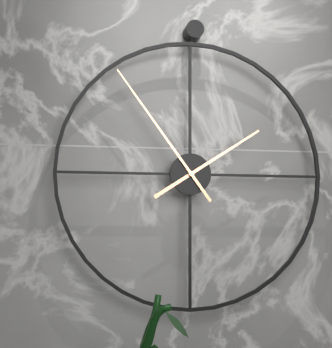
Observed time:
h=1 m=54
